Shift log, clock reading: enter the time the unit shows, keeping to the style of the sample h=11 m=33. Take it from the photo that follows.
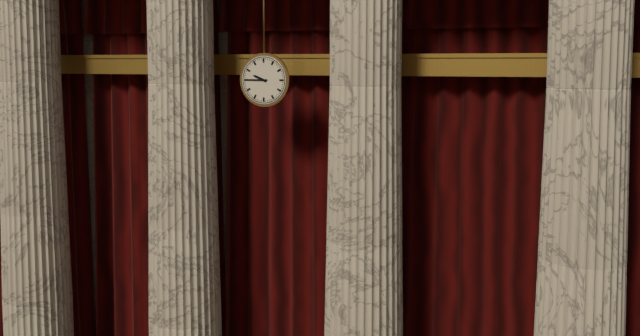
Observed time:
h=9 m=45
